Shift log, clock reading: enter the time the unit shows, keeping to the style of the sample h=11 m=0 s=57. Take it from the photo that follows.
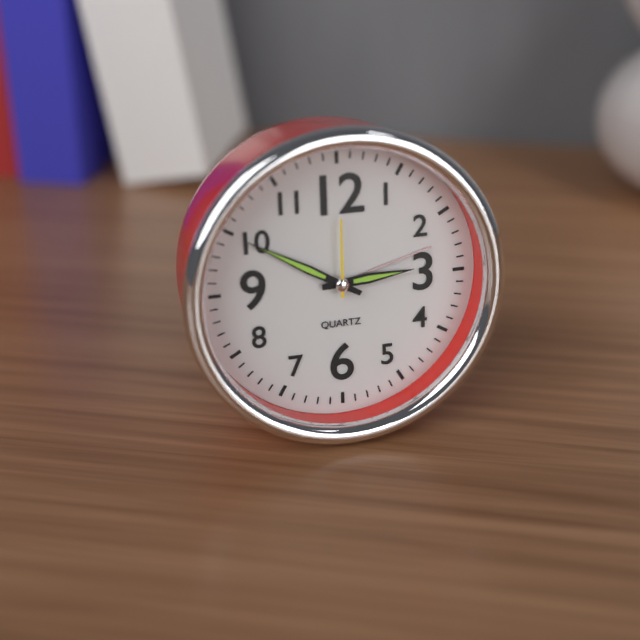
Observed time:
h=2 m=50 s=0
